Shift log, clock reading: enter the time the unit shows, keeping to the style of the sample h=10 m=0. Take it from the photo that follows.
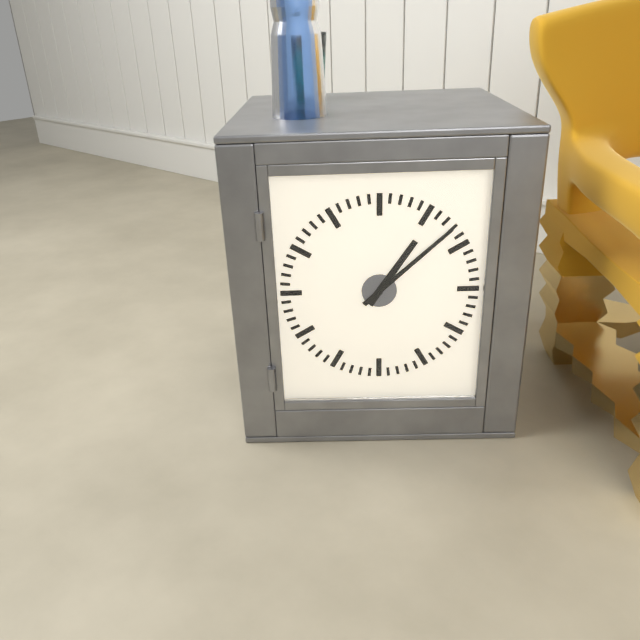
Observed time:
h=1 m=8
